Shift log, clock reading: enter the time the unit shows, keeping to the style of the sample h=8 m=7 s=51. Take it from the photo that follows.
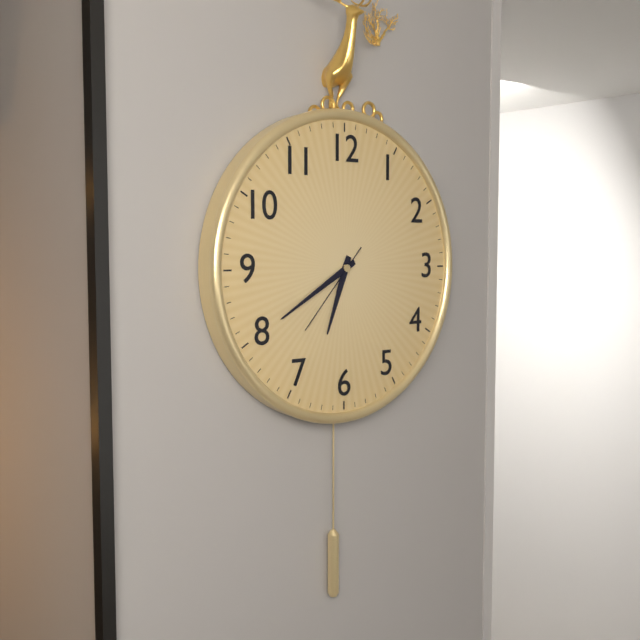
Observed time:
h=6 m=40 s=37
